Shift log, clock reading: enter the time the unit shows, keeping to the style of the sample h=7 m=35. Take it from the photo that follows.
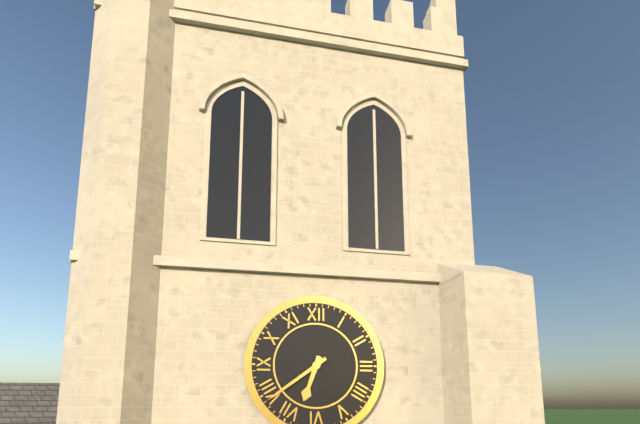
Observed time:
h=6 m=39
